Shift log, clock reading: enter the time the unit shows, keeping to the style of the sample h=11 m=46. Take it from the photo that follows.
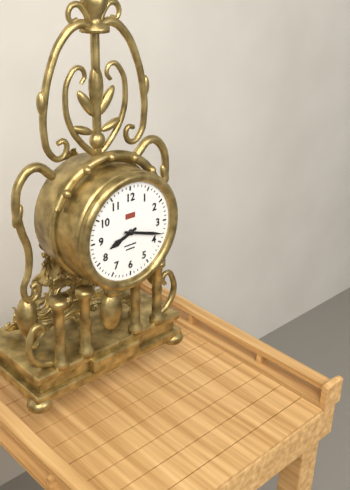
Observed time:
h=8 m=18
